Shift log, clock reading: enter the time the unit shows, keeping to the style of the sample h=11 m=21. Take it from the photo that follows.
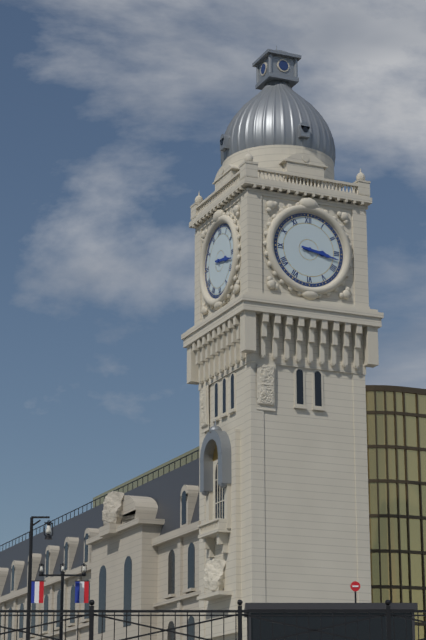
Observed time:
h=3 m=17
